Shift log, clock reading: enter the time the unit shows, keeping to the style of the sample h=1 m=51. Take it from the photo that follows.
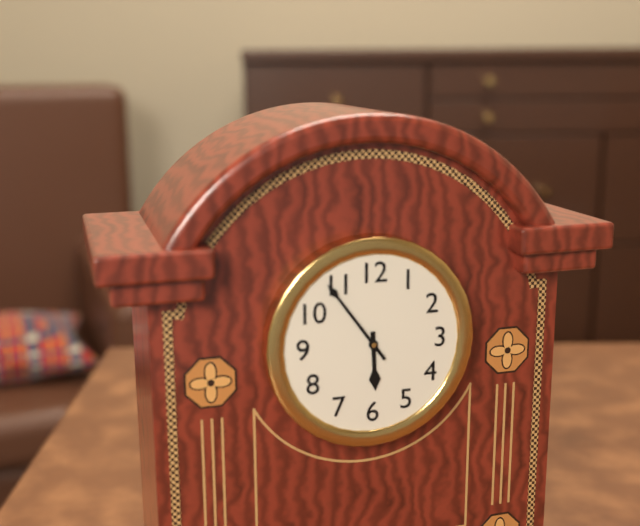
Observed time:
h=5 m=54
